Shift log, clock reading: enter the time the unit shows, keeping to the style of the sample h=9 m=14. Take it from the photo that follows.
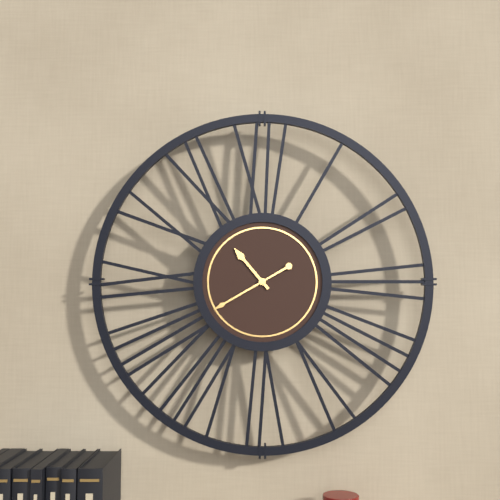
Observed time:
h=10 m=40
